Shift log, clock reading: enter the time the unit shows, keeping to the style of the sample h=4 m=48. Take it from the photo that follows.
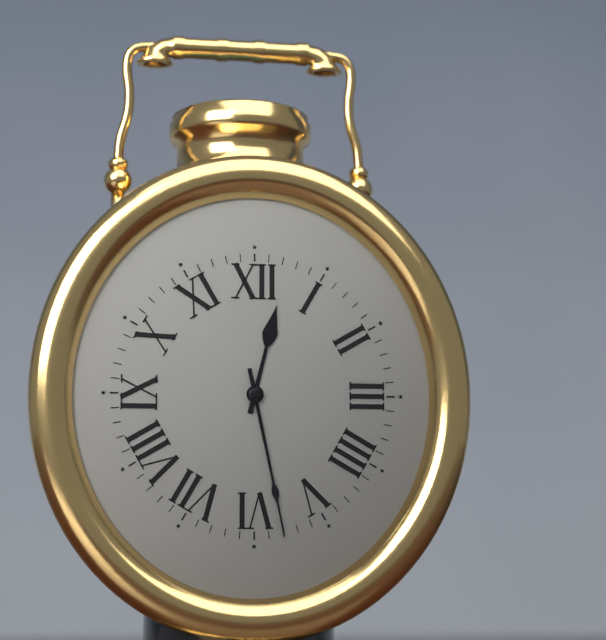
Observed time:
h=12 m=28
